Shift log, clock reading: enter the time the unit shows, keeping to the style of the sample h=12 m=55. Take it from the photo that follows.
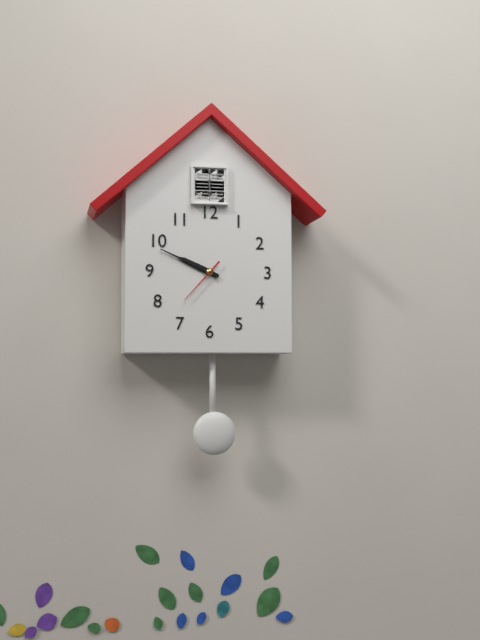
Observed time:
h=9 m=49
